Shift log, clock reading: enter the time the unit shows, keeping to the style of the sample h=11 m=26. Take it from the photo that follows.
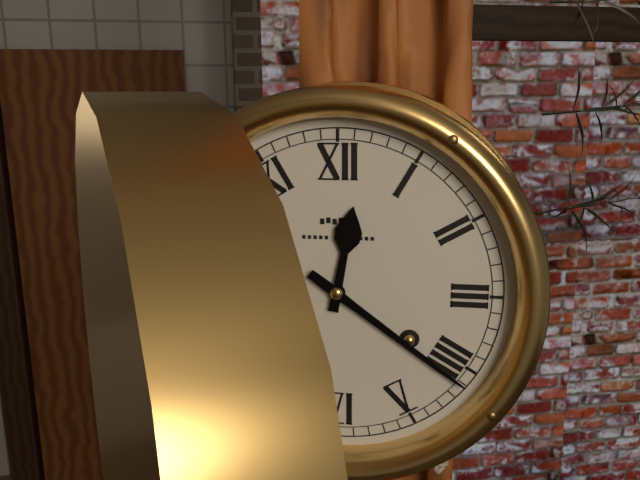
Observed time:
h=12 m=21
